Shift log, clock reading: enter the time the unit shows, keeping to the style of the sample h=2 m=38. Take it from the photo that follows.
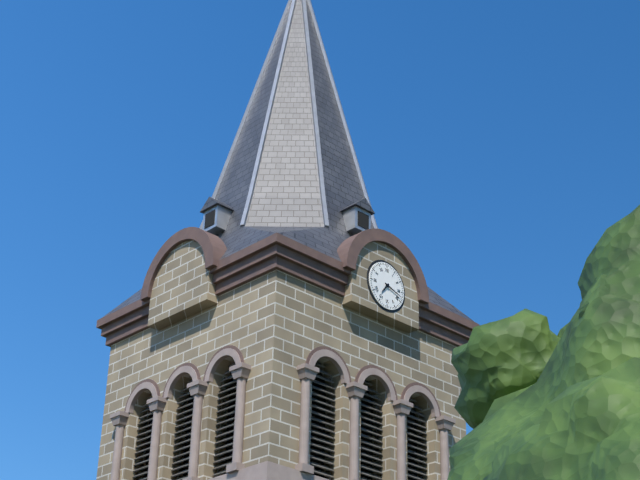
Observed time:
h=7 m=18
